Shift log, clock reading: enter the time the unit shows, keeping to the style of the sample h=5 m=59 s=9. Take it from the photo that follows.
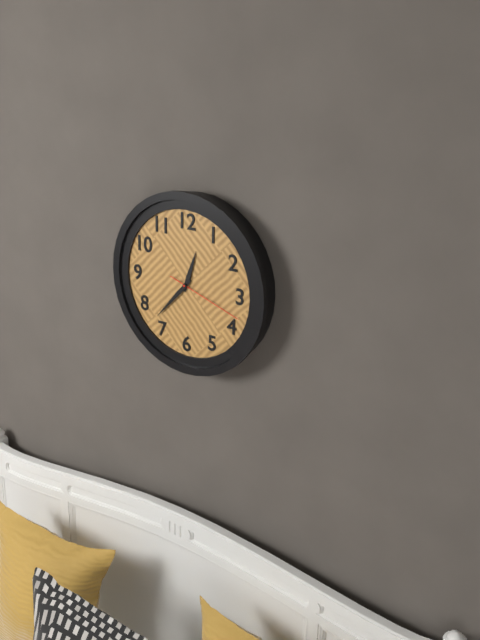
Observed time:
h=12 m=37 s=18
